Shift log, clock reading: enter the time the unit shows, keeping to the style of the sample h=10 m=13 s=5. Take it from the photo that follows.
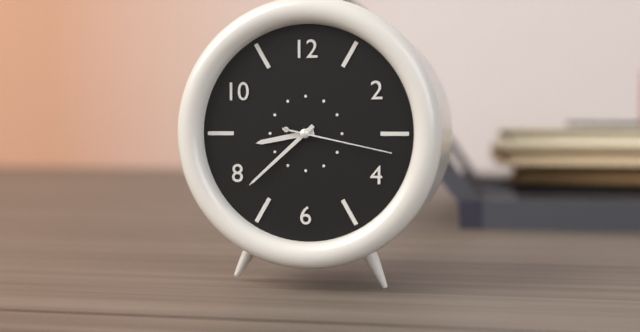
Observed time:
h=8 m=38 s=17
